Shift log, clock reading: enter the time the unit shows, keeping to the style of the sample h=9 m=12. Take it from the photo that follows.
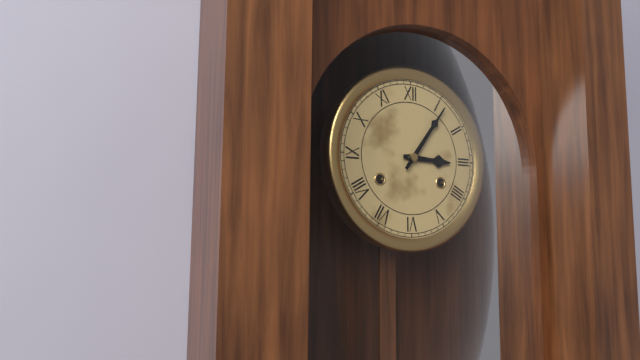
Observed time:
h=3 m=6
